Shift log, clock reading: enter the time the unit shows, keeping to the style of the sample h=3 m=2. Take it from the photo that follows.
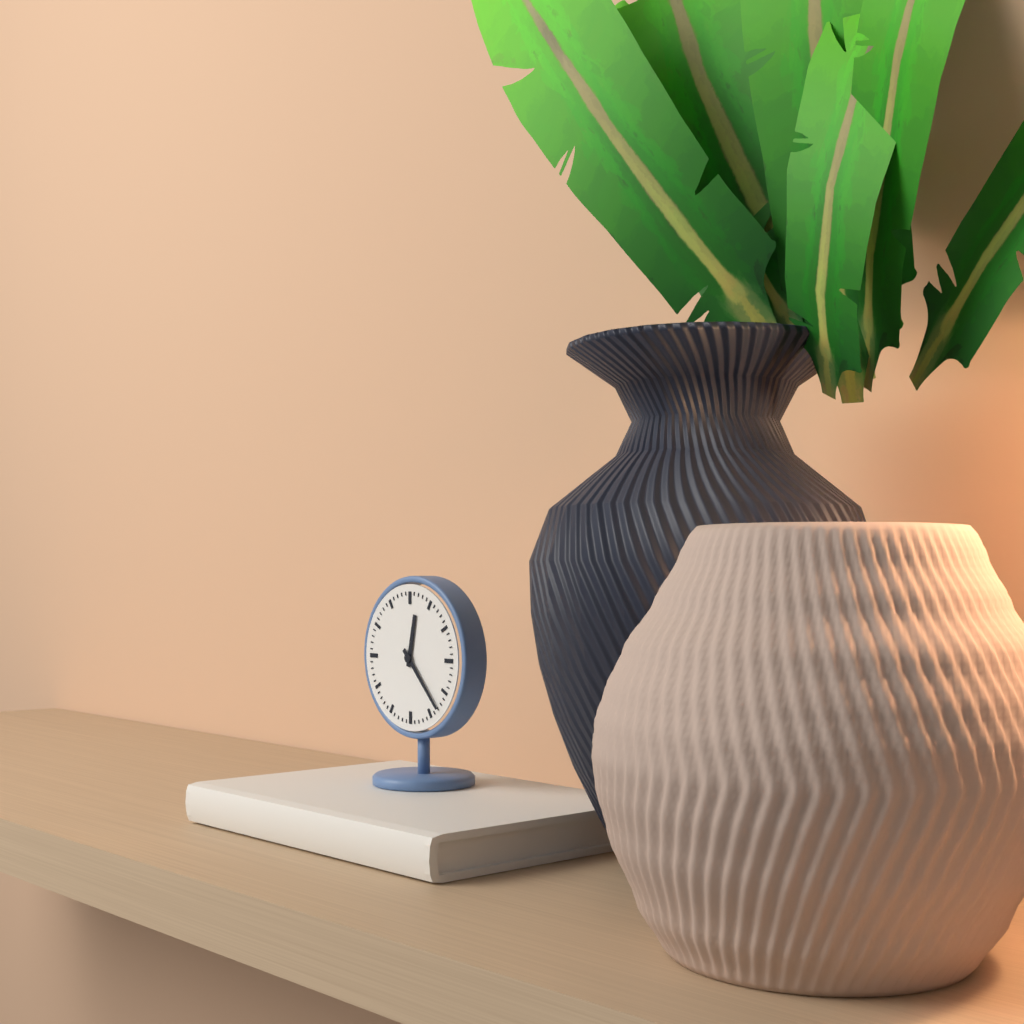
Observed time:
h=12 m=23
